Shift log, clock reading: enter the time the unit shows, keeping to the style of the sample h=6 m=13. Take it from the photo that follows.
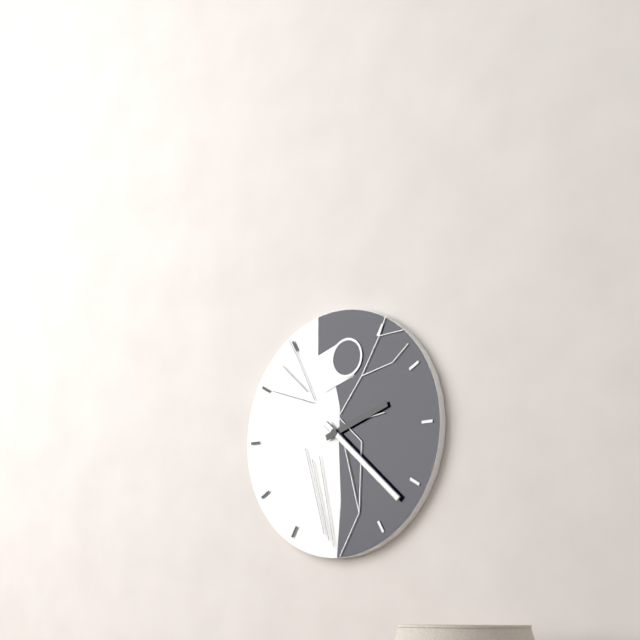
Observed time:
h=2 m=22
